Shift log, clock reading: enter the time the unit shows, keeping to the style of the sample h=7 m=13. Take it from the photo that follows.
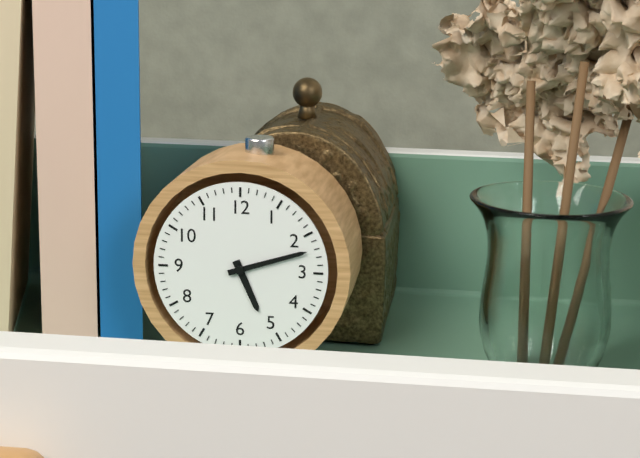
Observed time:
h=5 m=12
